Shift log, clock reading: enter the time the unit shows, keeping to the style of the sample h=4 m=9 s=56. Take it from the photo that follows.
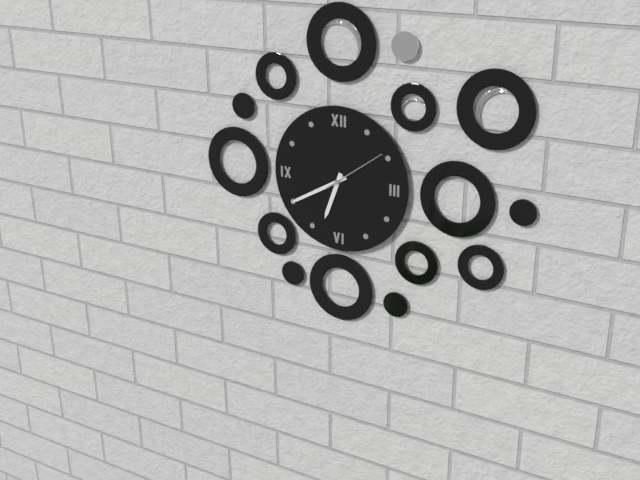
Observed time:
h=6 m=40 s=9
